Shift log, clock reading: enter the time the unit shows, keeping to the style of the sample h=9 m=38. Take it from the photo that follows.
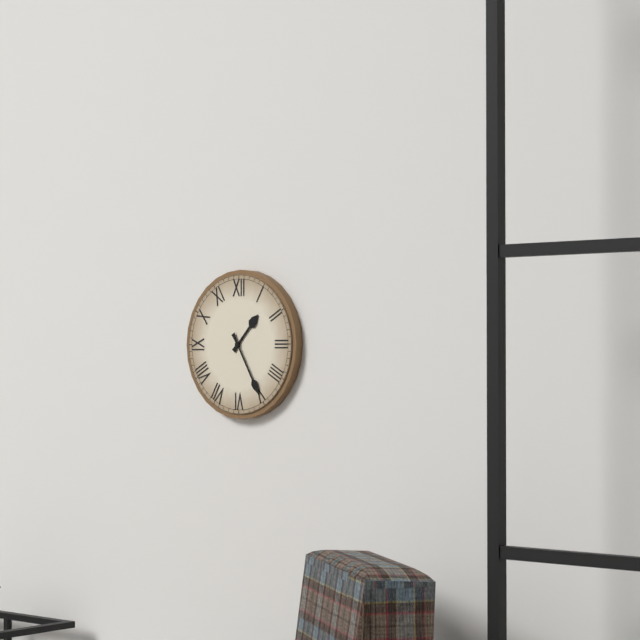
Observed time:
h=1 m=25
